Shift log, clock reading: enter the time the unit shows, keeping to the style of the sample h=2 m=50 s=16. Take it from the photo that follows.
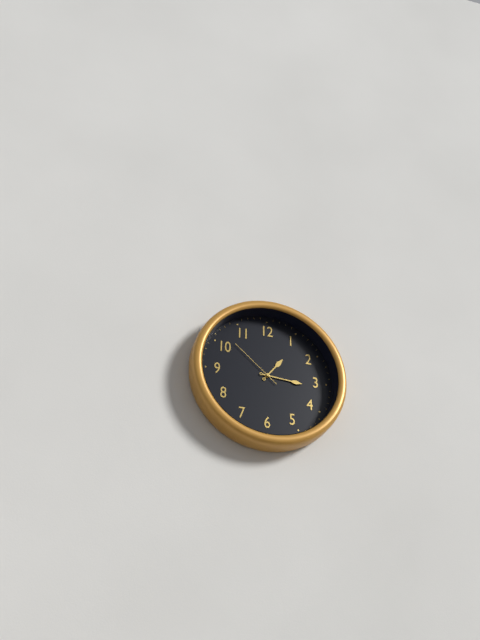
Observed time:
h=1 m=16 s=52
